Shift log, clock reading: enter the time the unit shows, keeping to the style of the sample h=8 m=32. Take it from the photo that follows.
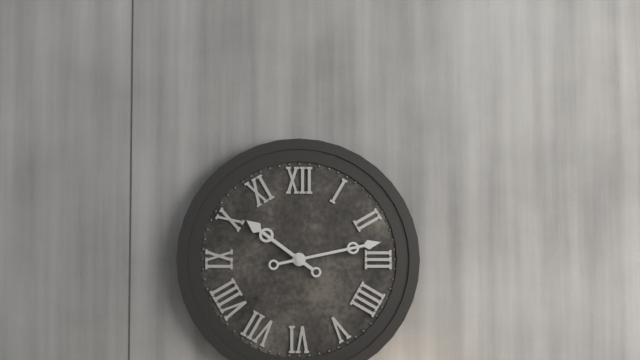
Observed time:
h=10 m=13
